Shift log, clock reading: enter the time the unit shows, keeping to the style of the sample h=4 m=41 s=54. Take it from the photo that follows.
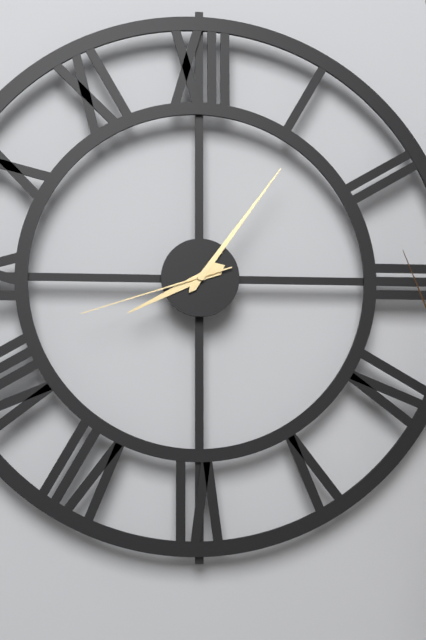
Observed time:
h=8 m=6 s=42
